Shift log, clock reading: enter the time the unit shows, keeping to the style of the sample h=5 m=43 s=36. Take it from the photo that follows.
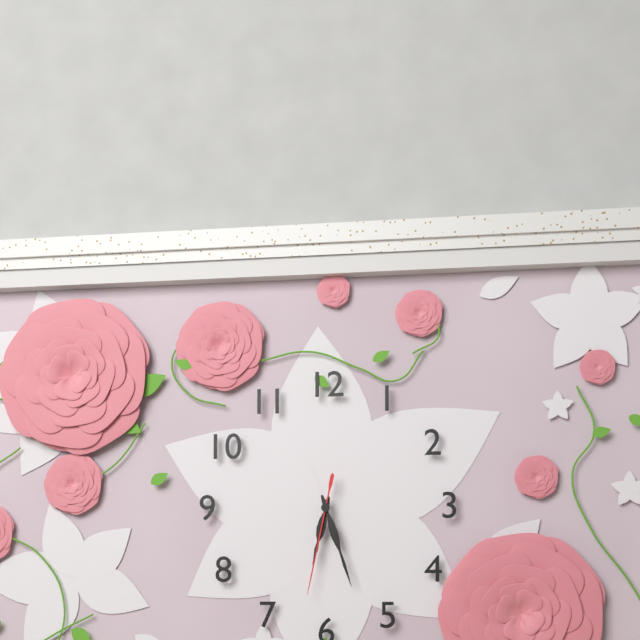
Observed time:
h=6 m=27 s=32
